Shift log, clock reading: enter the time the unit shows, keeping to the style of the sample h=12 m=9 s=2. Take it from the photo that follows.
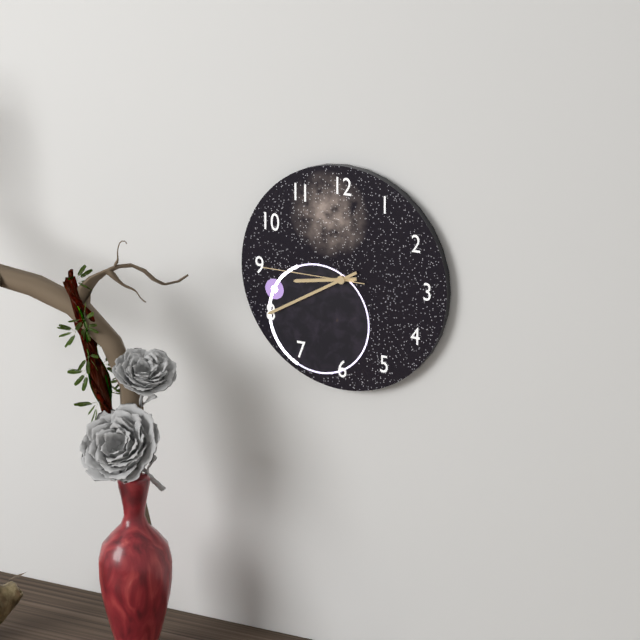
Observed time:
h=8 m=40 s=45
